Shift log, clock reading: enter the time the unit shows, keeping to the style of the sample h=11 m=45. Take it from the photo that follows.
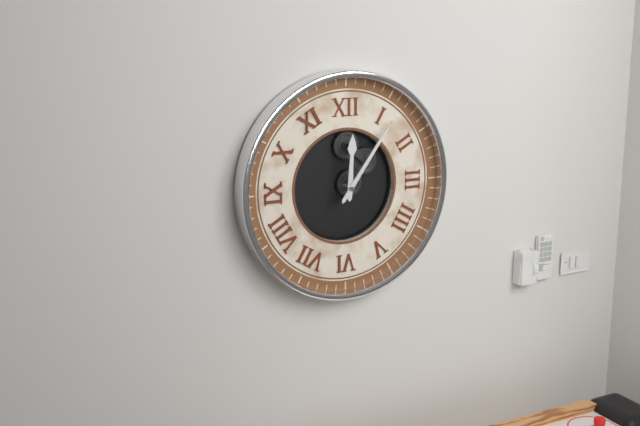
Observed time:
h=12 m=6
